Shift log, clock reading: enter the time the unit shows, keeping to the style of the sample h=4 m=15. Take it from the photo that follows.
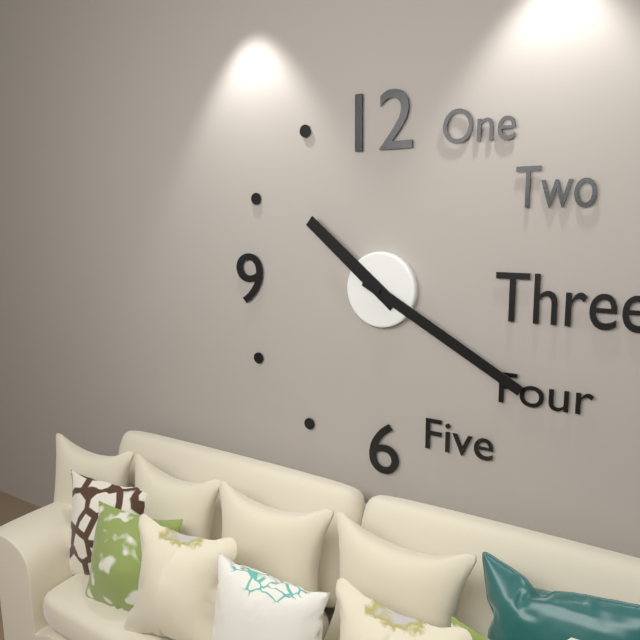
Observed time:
h=10 m=20
